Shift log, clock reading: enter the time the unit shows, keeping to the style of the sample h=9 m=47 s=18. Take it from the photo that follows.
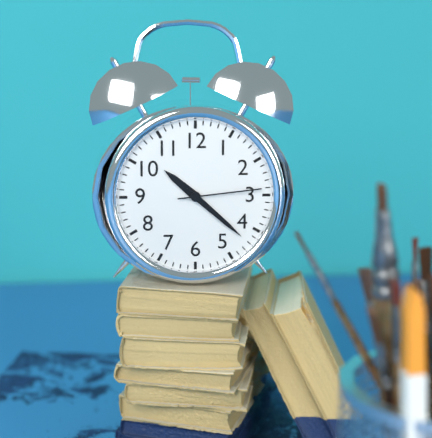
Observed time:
h=10 m=22 s=14
